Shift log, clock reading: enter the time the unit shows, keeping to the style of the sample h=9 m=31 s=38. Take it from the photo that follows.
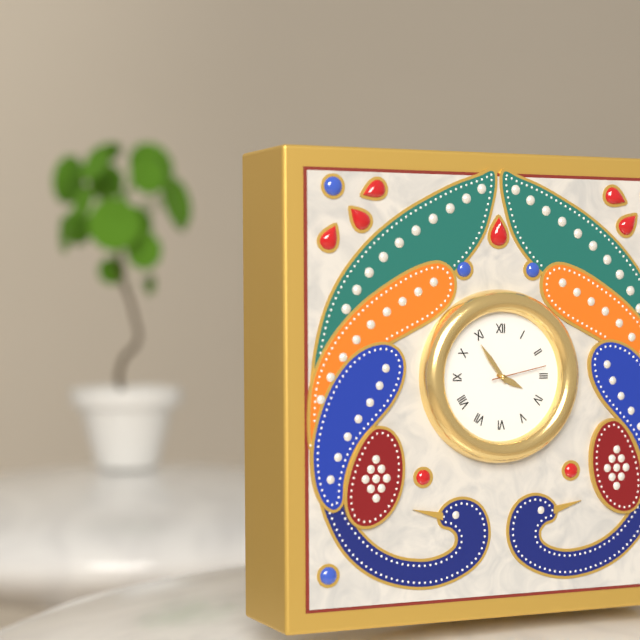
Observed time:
h=3 m=54 s=13
